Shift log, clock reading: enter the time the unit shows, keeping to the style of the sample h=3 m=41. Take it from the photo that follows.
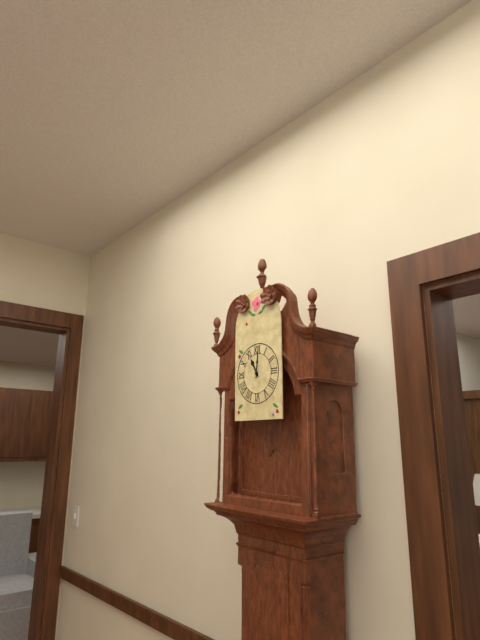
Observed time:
h=11 m=1
